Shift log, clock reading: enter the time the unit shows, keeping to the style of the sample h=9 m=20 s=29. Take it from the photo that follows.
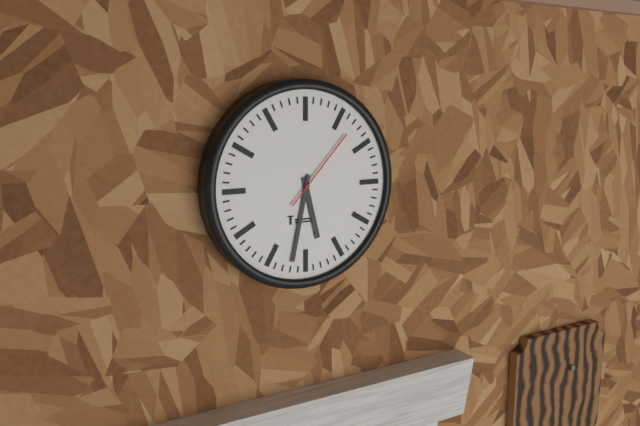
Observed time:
h=5 m=32 s=7
